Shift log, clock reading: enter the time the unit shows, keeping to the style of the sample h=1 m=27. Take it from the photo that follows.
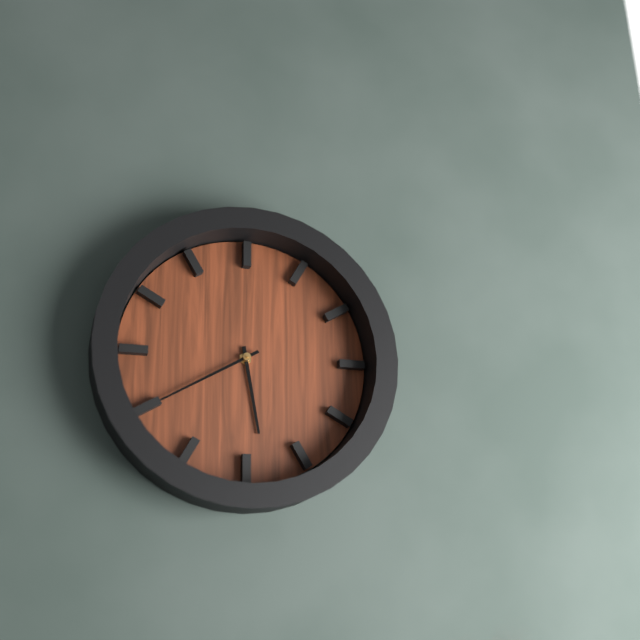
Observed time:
h=5 m=40
